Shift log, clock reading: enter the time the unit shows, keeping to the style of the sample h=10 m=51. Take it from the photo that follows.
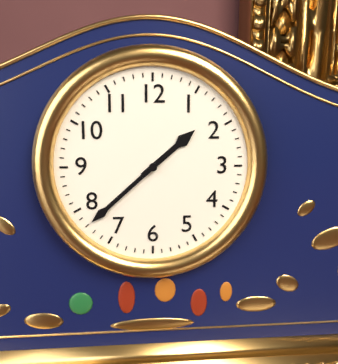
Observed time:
h=1 m=38
